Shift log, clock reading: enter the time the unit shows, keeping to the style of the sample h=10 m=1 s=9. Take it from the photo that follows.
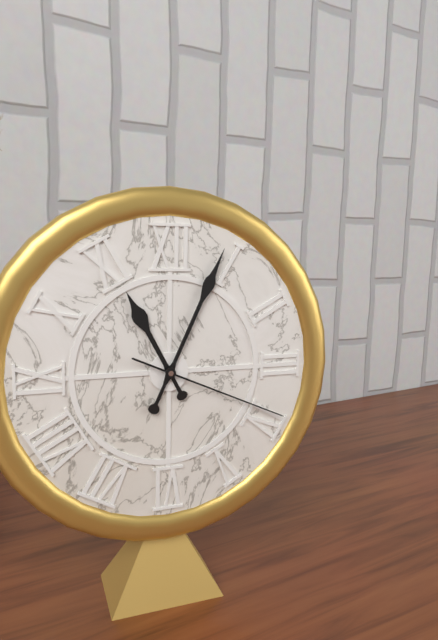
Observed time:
h=11 m=4 s=19
